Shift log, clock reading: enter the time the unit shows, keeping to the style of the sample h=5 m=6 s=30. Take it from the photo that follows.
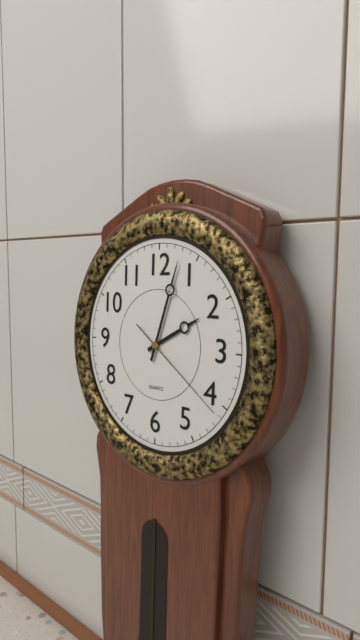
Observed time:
h=2 m=3 s=21
